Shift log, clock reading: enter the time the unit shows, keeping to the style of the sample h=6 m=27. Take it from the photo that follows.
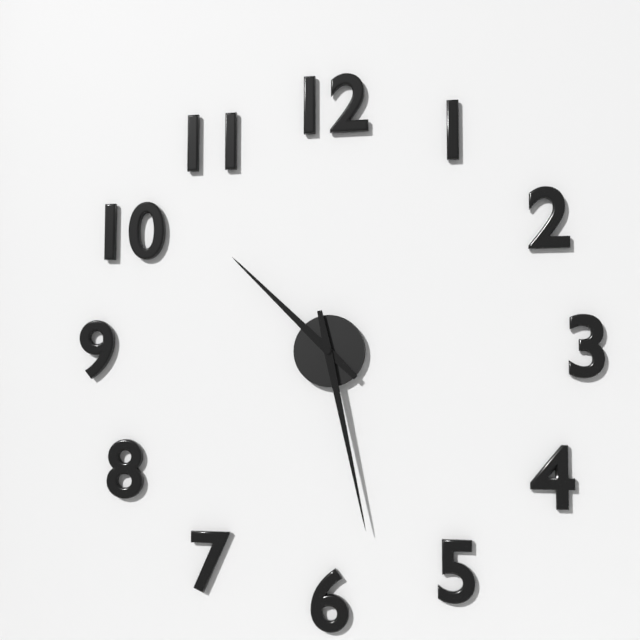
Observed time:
h=10 m=28
